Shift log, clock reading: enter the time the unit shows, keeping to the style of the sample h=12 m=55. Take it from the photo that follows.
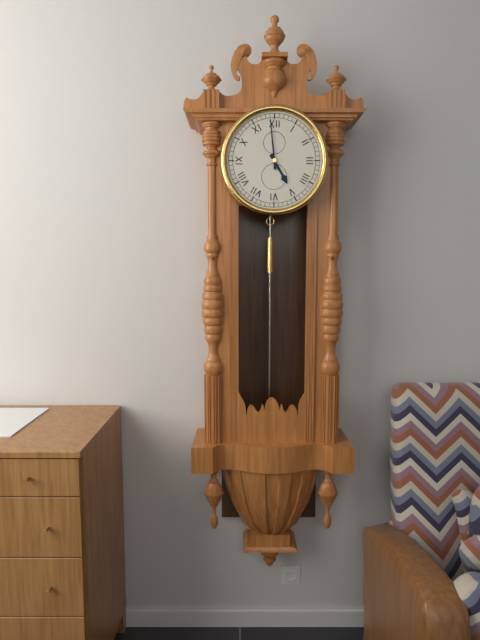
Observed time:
h=4 m=59
